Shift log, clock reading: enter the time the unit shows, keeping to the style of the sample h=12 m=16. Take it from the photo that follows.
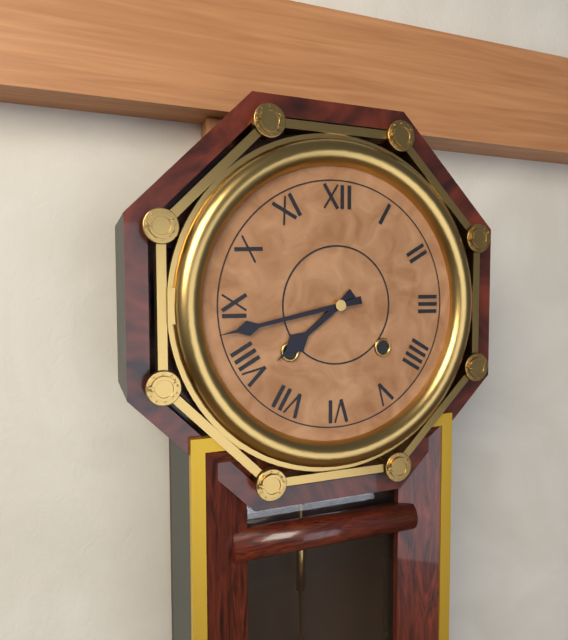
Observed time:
h=7 m=43
